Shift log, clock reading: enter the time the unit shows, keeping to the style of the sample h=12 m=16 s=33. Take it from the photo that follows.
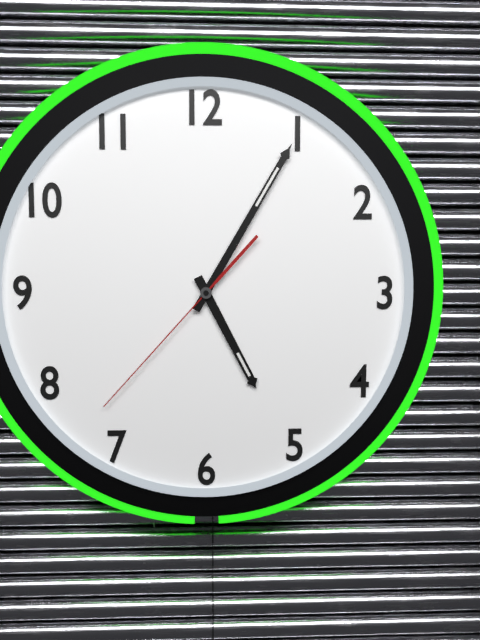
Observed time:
h=5 m=5 s=37
